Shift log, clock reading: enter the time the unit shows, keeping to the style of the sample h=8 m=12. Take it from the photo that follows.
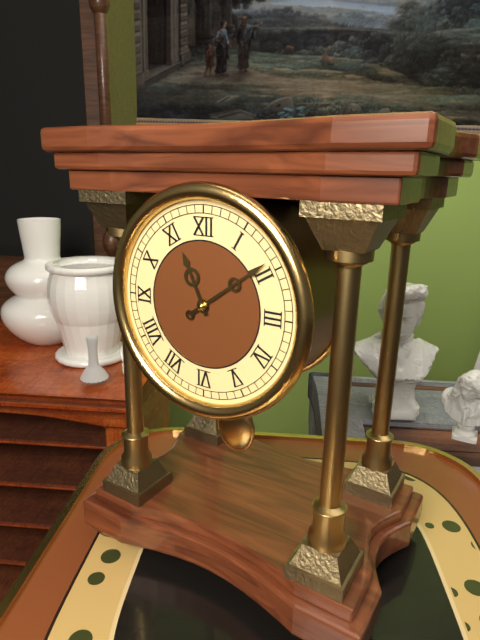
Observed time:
h=11 m=9
